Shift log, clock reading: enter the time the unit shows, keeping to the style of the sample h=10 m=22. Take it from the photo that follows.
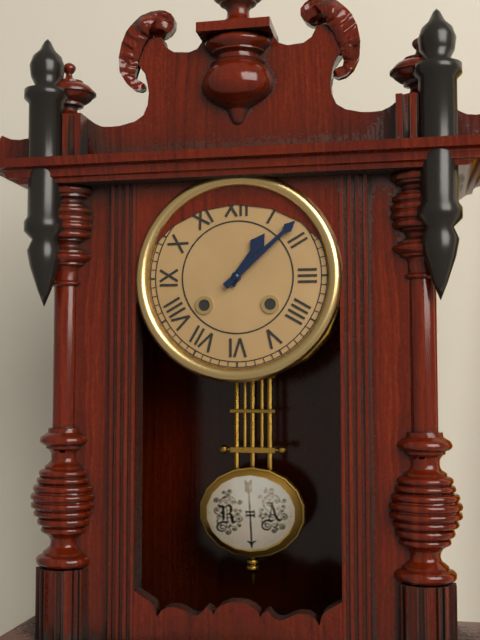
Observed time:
h=1 m=8
